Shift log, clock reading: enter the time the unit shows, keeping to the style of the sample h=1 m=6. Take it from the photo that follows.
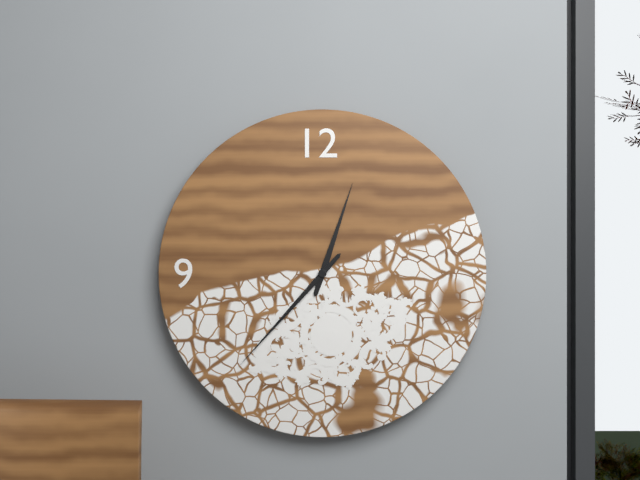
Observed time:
h=12 m=37
